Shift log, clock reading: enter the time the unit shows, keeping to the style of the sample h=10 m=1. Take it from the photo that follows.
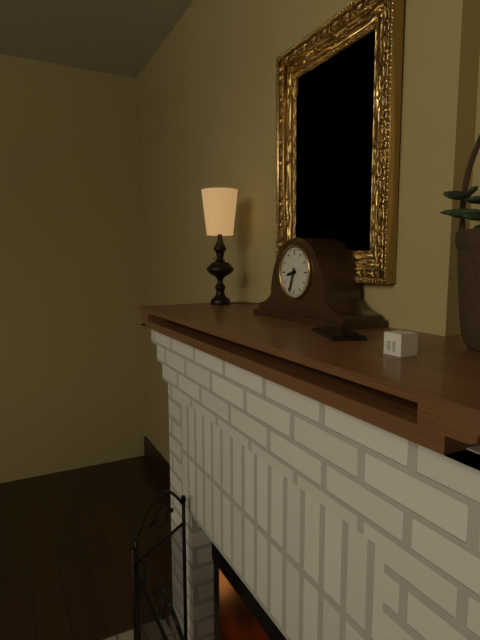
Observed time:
h=8 m=33
